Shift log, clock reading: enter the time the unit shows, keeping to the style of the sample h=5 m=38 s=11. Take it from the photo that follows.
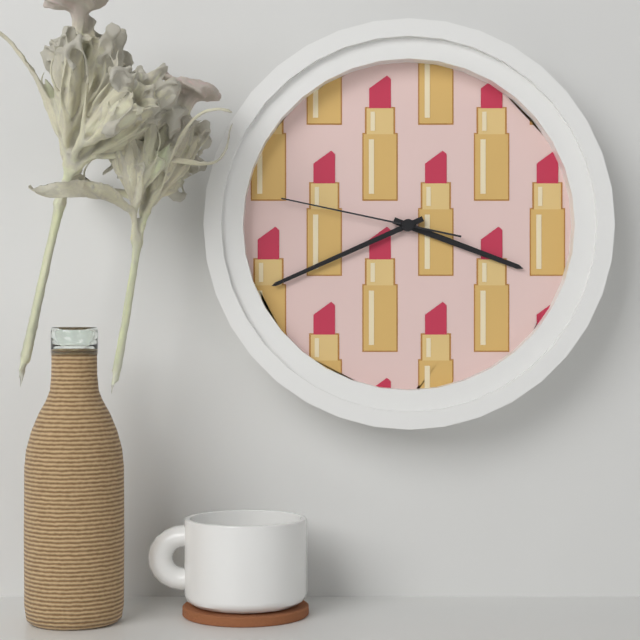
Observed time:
h=3 m=41 s=47
